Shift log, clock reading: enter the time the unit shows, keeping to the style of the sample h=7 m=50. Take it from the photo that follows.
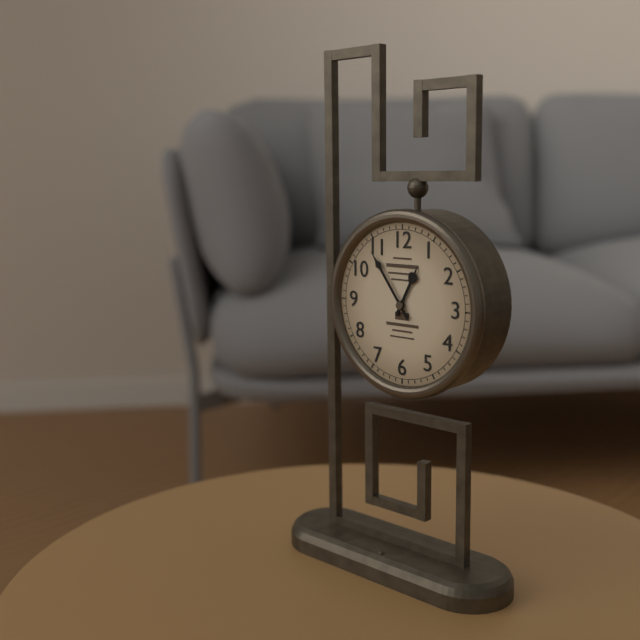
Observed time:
h=12 m=54
